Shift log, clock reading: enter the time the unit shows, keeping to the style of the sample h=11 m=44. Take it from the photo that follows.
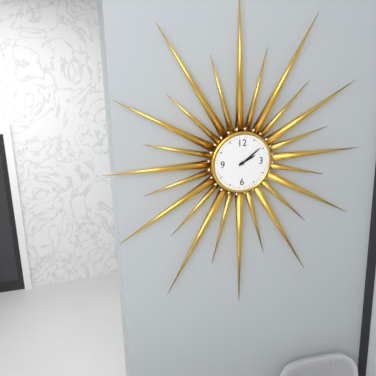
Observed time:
h=2 m=9
